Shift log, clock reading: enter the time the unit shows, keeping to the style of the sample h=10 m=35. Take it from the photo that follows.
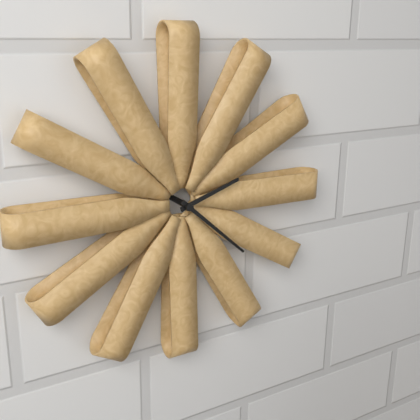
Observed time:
h=2 m=22
